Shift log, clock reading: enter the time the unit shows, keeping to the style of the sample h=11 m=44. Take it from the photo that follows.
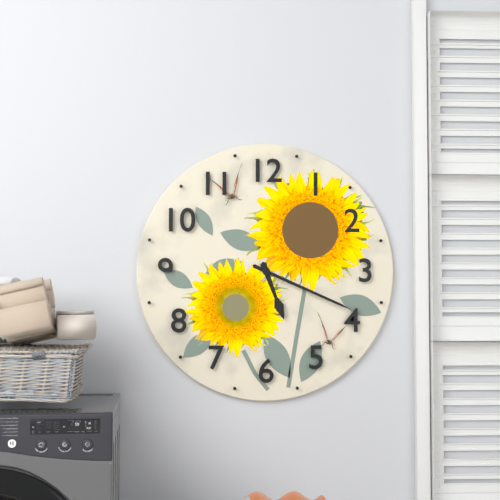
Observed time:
h=5 m=19
